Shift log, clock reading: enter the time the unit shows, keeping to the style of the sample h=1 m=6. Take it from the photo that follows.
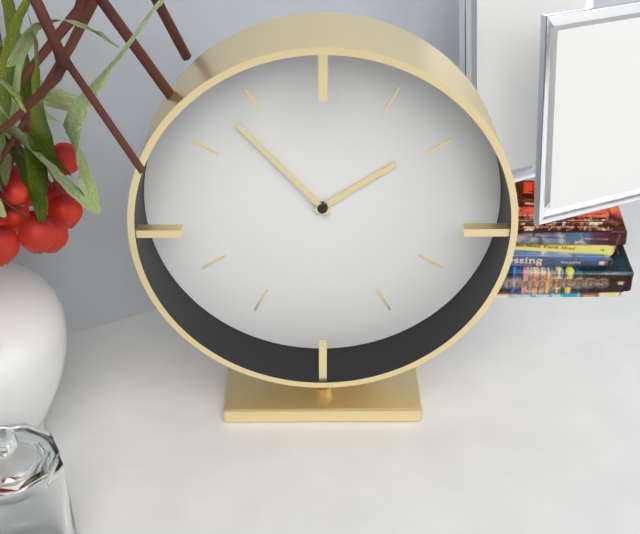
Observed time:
h=1 m=53
